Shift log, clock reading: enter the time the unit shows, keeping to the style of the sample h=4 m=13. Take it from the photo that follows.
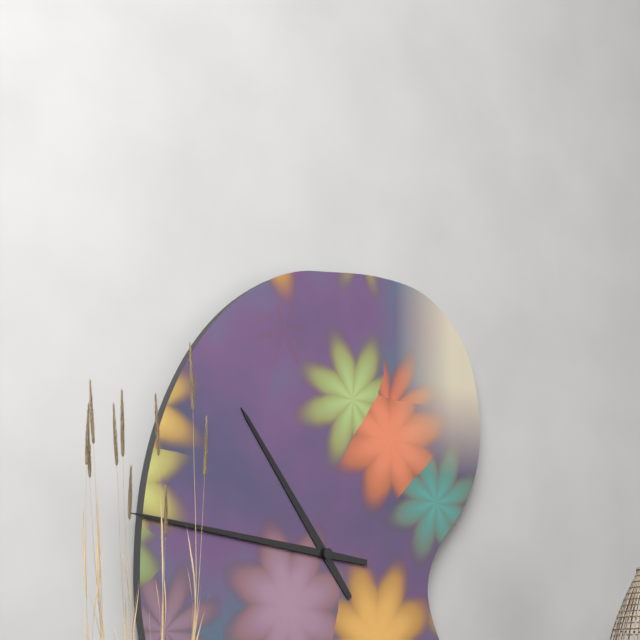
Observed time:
h=10 m=46
